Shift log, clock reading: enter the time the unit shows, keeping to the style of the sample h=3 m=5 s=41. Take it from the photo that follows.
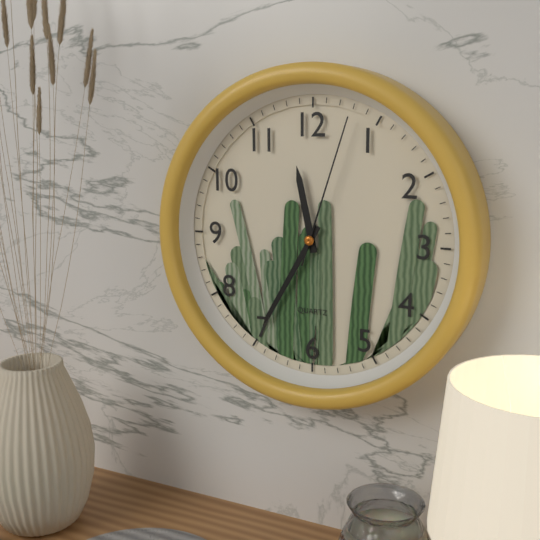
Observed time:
h=11 m=35 s=3
